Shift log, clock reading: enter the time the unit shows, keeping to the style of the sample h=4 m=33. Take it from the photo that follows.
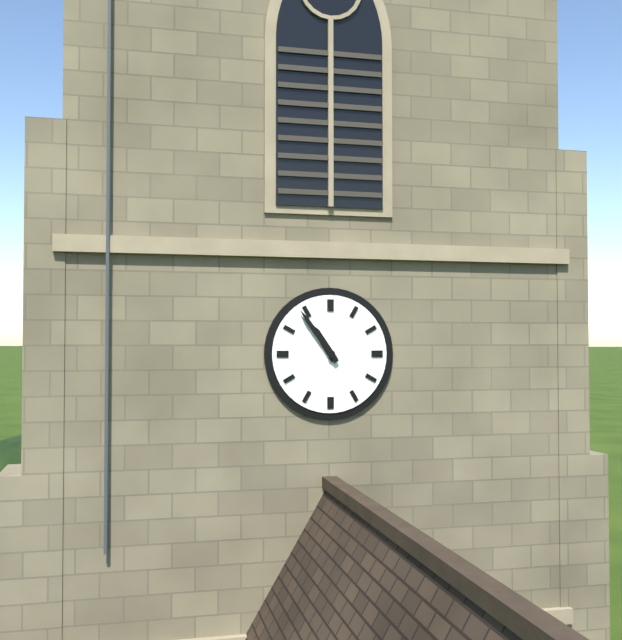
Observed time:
h=10 m=54
